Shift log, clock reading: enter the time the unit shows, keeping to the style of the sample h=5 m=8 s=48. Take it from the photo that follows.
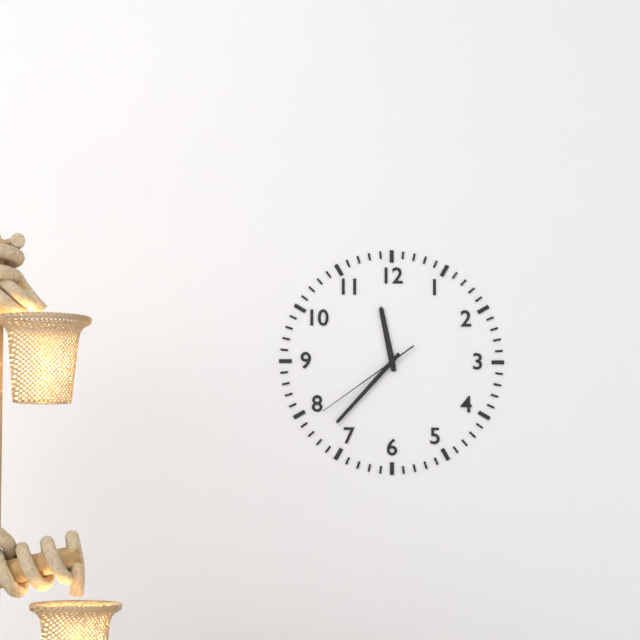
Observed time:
h=11 m=37 s=39
